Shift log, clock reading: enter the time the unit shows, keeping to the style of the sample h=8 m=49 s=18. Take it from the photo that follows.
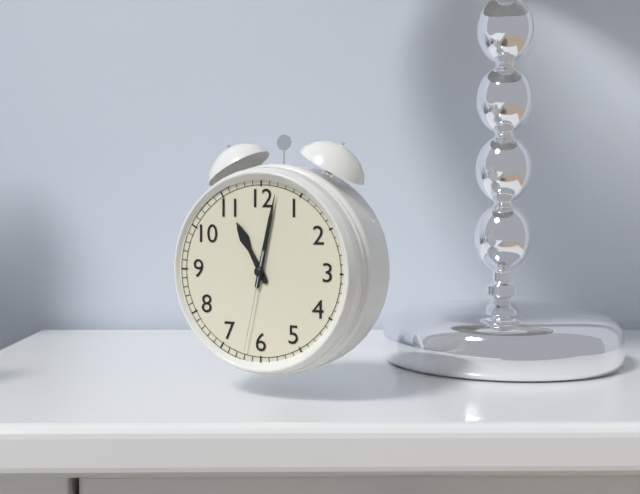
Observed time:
h=11 m=2 s=32
